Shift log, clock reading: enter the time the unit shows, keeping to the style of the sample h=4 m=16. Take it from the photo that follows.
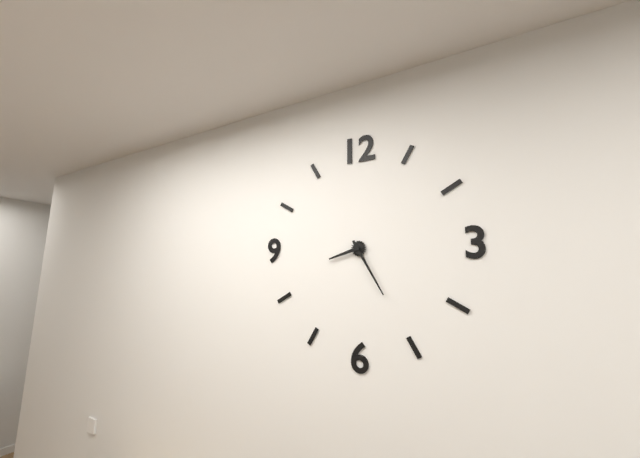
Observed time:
h=8 m=25
